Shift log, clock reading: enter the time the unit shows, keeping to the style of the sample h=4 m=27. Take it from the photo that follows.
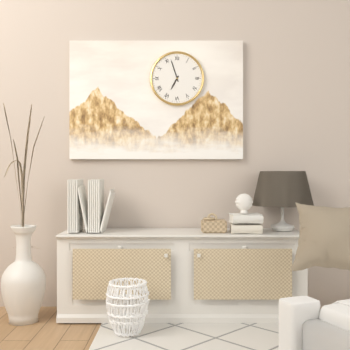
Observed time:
h=6 m=57
